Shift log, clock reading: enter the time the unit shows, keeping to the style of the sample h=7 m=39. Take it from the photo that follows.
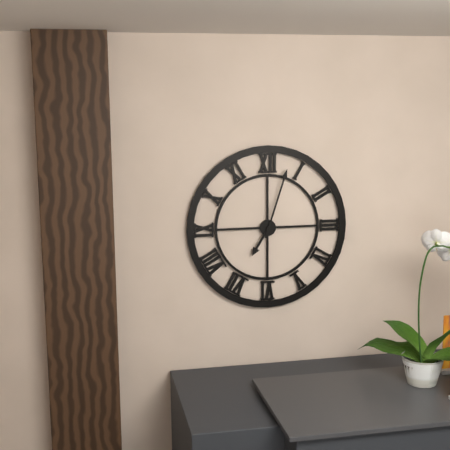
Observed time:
h=7 m=3
